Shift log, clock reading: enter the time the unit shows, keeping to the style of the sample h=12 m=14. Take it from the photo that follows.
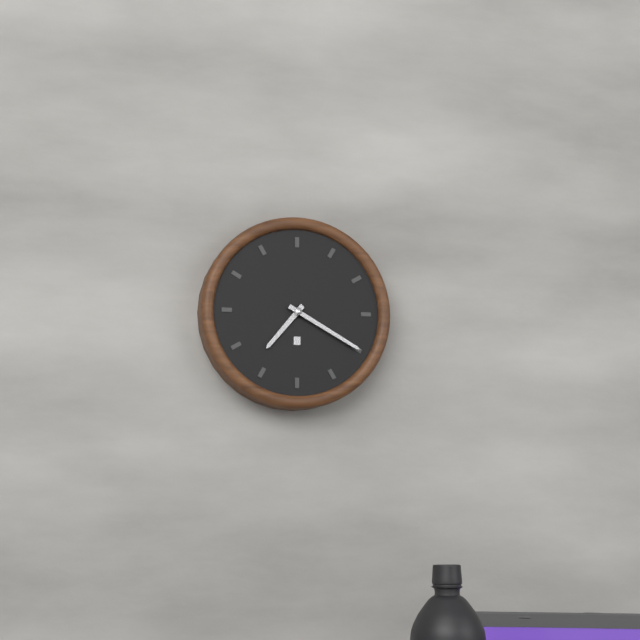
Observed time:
h=7 m=20
